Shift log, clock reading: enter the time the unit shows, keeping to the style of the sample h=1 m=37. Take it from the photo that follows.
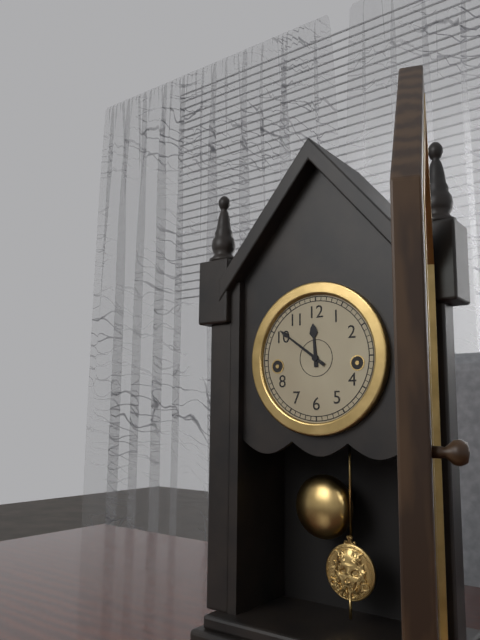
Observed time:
h=11 m=51
